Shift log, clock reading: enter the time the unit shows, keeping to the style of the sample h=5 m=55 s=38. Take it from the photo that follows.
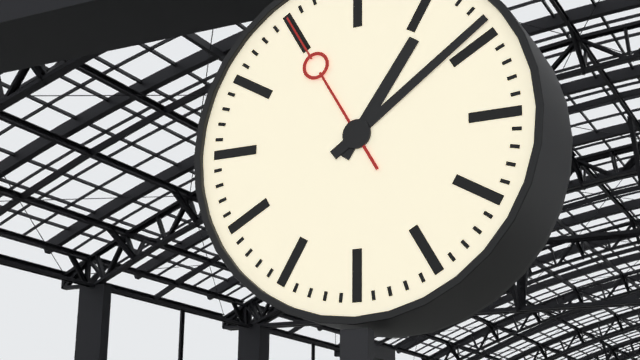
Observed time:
h=1 m=9 s=55
